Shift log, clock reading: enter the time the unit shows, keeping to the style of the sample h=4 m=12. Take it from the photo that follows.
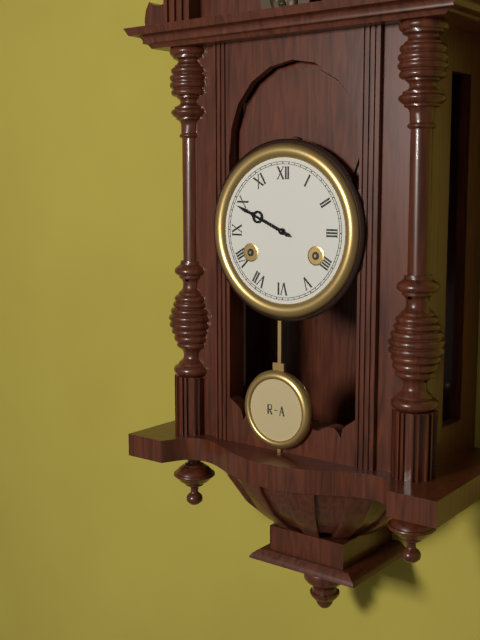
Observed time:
h=9 m=49
